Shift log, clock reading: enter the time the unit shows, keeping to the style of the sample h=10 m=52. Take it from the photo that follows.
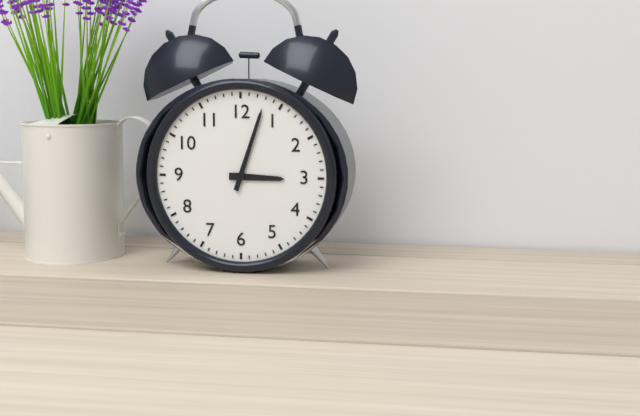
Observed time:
h=3 m=3
